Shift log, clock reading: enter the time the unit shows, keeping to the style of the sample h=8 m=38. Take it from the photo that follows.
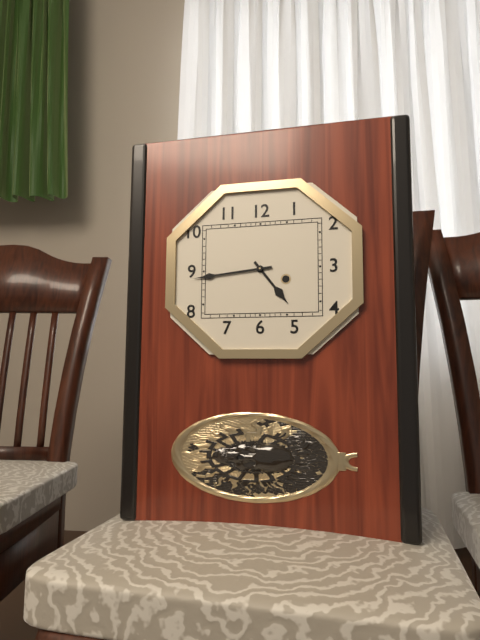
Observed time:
h=4 m=44
